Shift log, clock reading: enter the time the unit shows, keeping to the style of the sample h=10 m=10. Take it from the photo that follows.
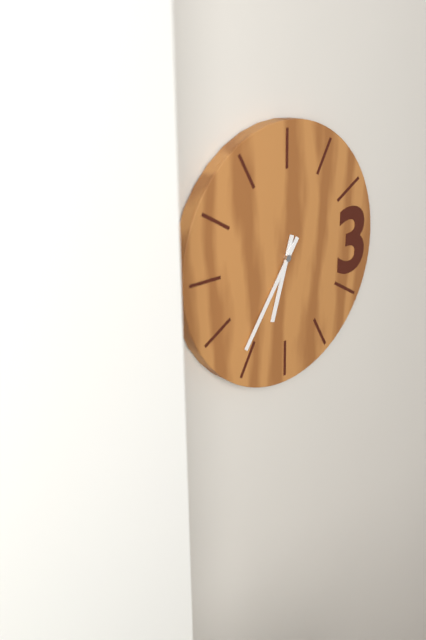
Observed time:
h=6 m=36
